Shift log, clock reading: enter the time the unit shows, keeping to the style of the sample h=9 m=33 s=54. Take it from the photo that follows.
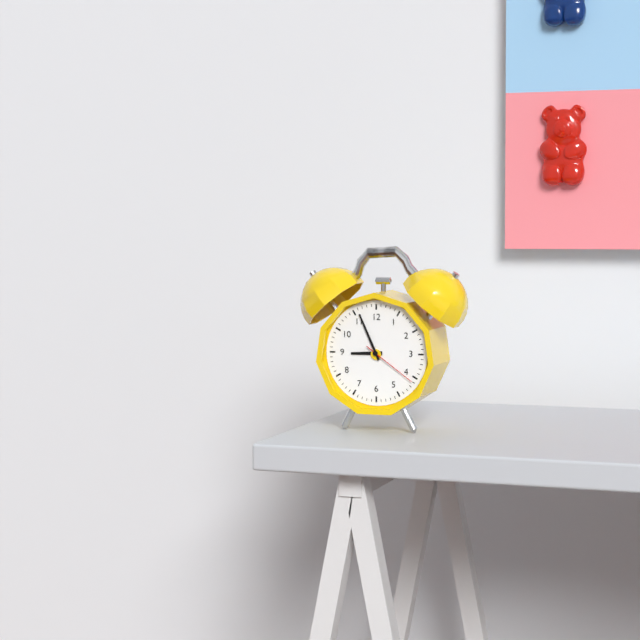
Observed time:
h=8 m=56 s=21
